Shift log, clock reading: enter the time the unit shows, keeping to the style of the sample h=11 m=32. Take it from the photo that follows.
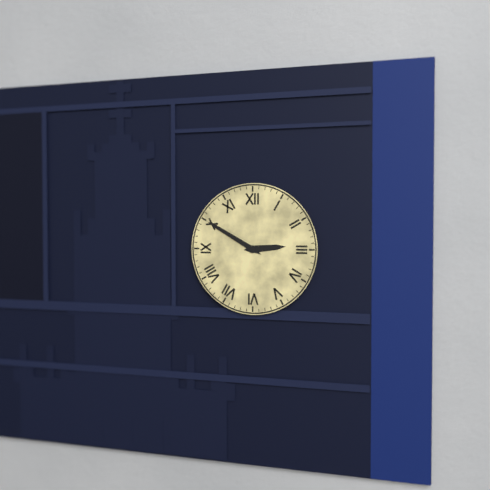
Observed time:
h=2 m=50
